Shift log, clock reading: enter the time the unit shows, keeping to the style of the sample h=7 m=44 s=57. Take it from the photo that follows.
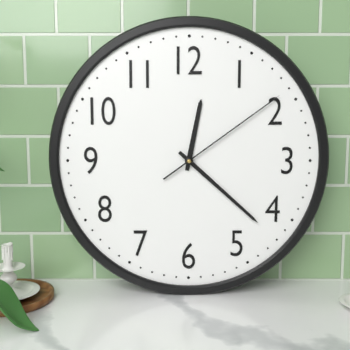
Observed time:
h=12 m=22 s=9
